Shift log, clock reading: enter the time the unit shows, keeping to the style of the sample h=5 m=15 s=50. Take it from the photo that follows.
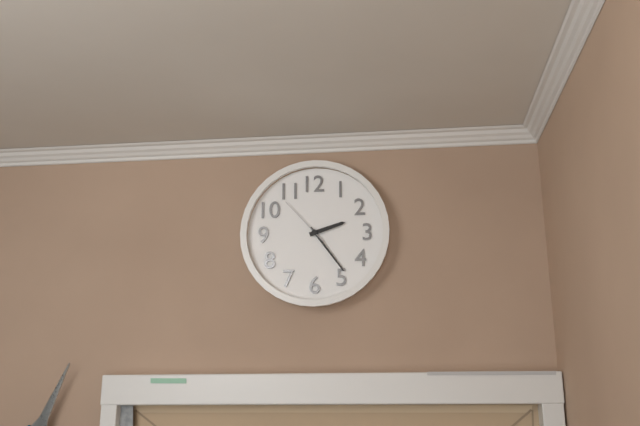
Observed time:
h=2 m=24 s=53
